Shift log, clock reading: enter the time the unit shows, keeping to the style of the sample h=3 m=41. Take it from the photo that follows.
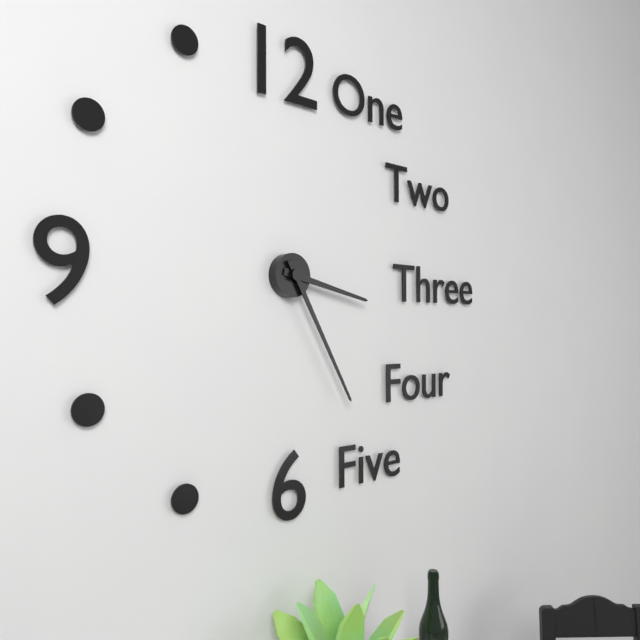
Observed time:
h=3 m=25
